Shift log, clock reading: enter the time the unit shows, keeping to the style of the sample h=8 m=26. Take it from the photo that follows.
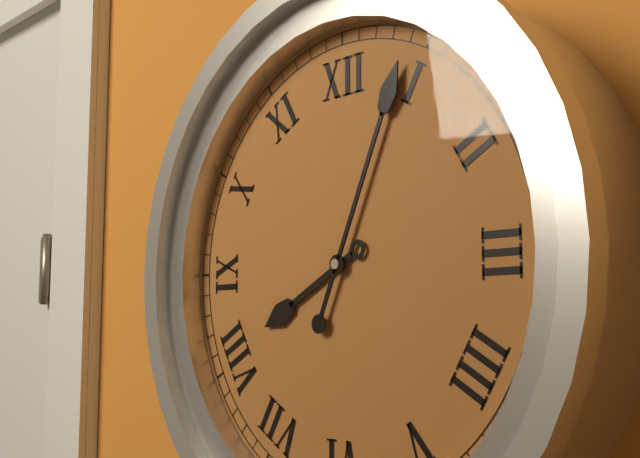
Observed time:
h=8 m=4
